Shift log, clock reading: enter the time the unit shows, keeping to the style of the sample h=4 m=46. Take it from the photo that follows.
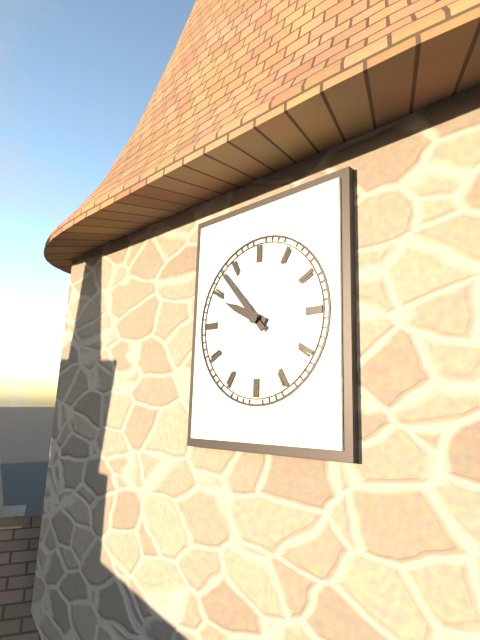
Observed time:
h=9 m=53
